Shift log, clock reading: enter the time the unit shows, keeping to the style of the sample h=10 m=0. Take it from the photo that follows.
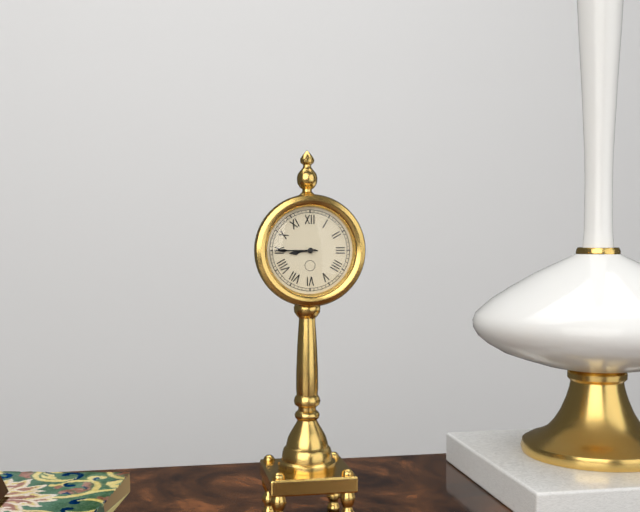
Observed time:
h=8 m=45
